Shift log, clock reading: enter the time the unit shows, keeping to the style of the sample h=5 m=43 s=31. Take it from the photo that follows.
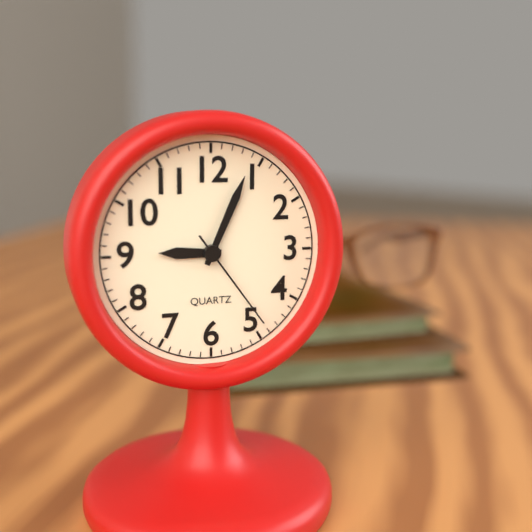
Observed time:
h=9 m=4 s=24
